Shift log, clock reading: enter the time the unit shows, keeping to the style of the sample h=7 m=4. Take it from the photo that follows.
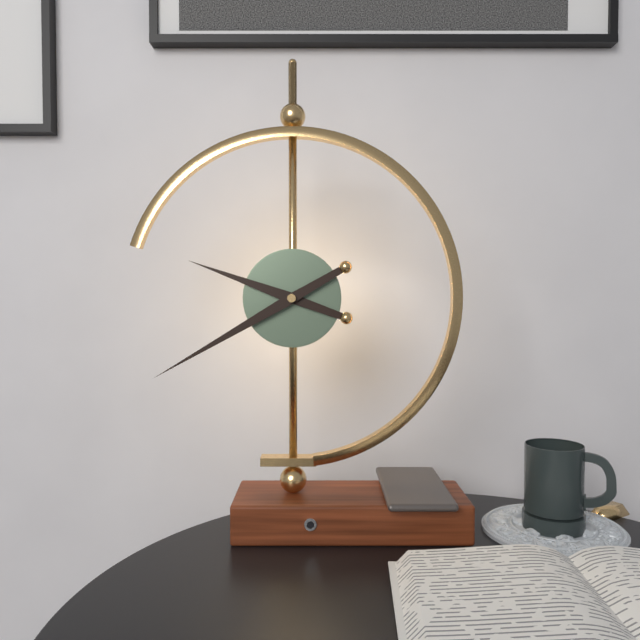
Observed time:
h=9 m=40
